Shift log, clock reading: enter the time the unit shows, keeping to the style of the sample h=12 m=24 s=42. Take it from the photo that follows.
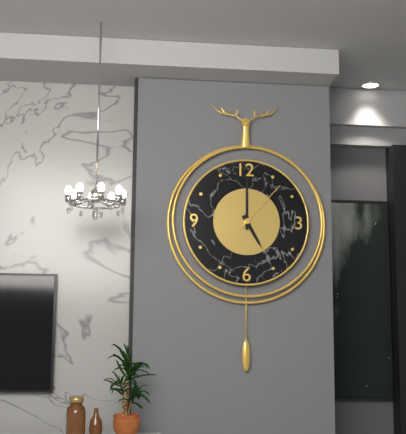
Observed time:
h=5 m=0 s=7
